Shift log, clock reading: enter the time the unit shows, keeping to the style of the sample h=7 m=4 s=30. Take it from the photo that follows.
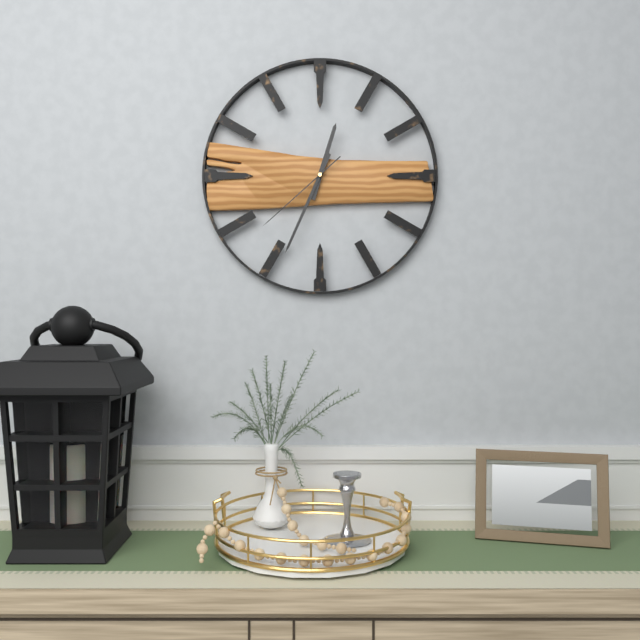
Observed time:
h=12 m=34 s=38
